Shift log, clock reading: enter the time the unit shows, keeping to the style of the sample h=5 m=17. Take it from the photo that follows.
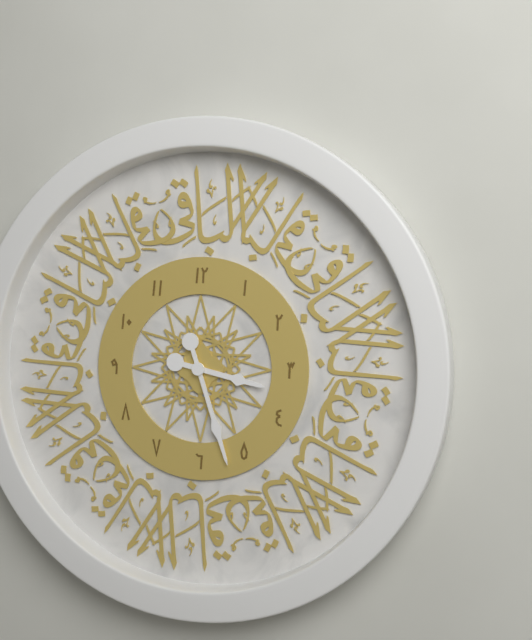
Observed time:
h=3 m=27
